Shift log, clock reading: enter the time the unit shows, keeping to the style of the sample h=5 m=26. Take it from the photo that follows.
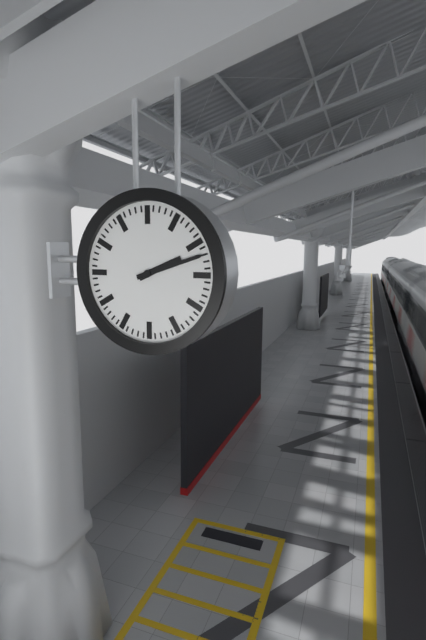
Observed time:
h=2 m=12
